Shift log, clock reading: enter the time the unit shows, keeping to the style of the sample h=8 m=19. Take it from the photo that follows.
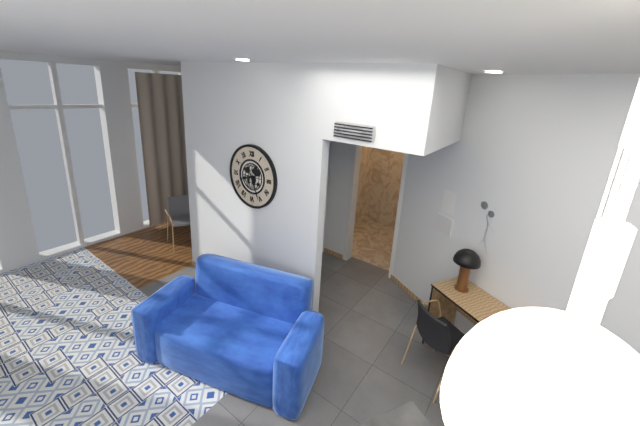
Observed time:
h=8 m=26
